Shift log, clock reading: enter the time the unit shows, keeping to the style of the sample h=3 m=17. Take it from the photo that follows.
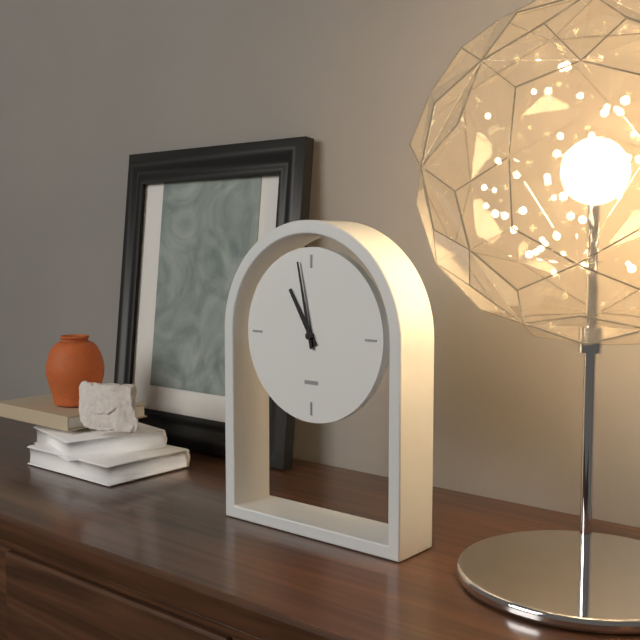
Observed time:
h=10 m=58
